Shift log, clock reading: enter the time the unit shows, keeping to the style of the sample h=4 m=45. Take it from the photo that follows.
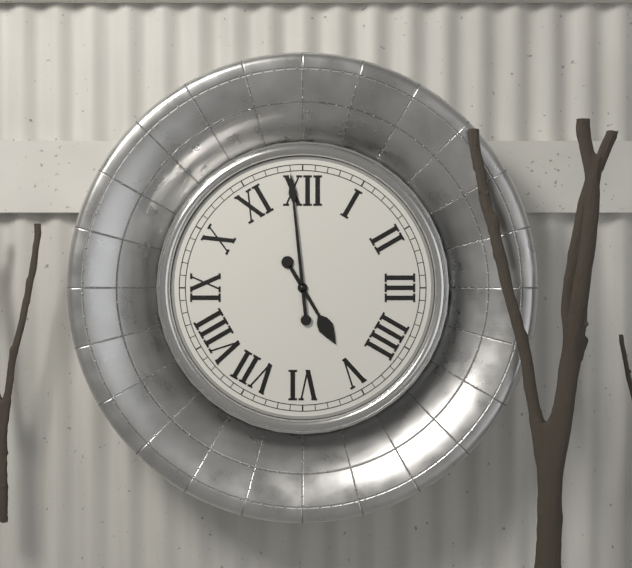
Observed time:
h=4 m=59
